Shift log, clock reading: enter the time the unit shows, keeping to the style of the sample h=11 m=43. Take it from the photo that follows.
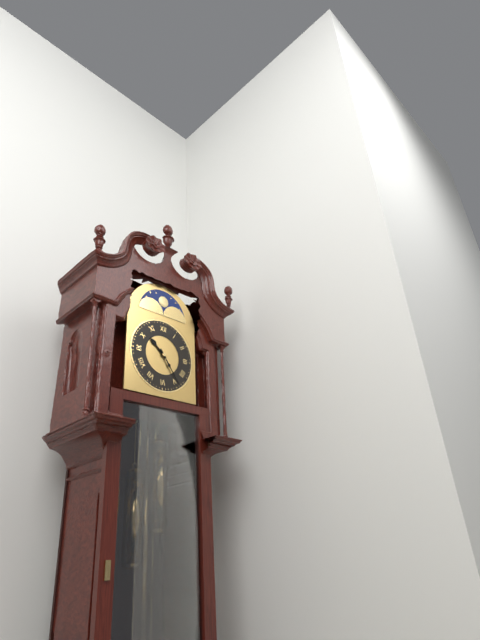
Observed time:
h=10 m=24
